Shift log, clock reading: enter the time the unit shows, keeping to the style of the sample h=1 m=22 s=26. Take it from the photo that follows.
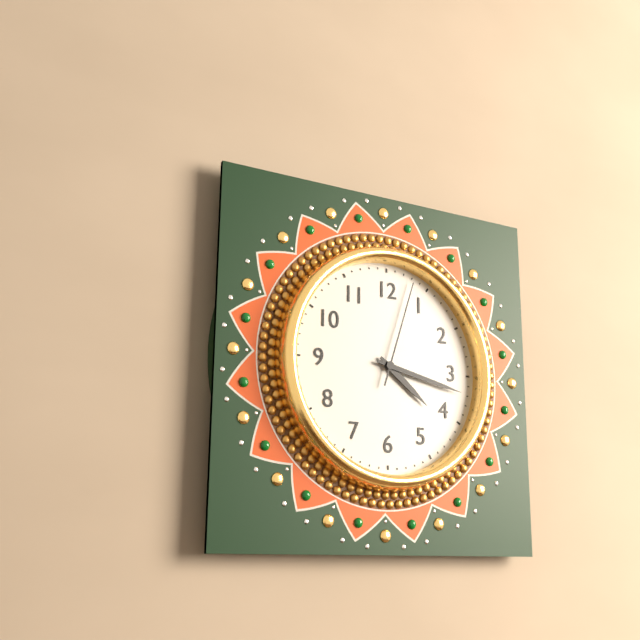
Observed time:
h=4 m=17 s=3
